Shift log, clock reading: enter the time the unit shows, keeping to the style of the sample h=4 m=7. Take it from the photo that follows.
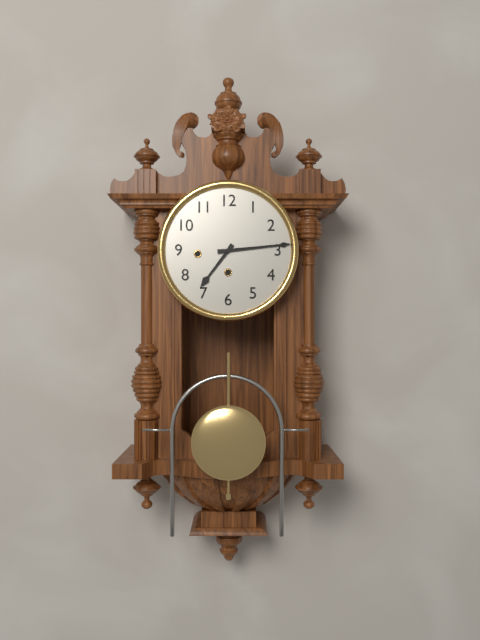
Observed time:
h=7 m=14
